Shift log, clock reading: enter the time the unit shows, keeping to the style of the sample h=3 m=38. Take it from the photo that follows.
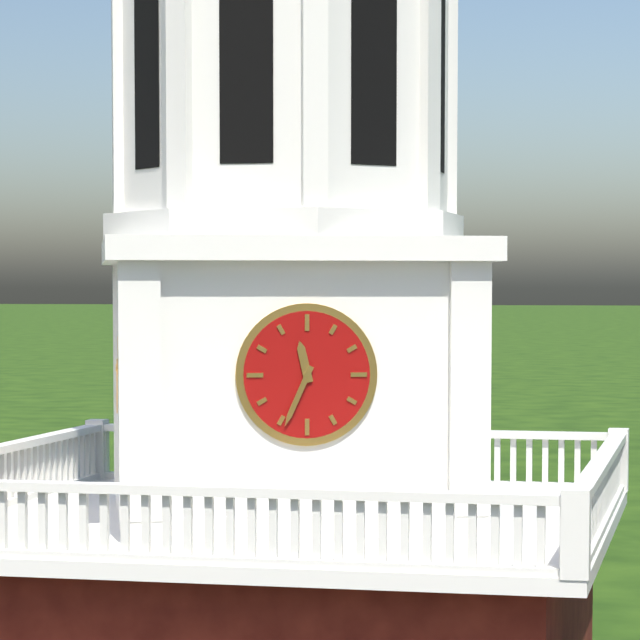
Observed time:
h=11 m=34
